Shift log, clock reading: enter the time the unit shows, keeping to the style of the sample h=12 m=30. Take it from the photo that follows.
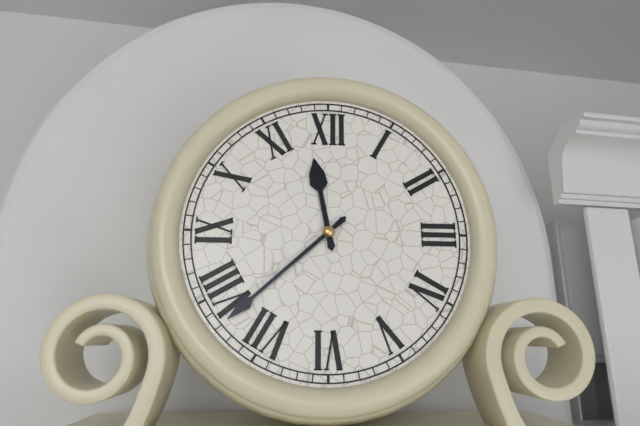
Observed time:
h=11 m=38
